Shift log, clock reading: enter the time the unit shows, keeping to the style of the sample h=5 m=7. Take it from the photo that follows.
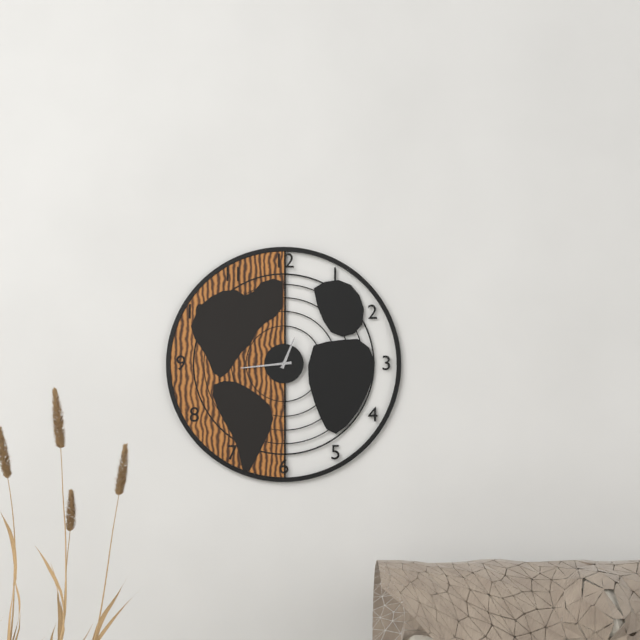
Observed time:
h=12 m=44
